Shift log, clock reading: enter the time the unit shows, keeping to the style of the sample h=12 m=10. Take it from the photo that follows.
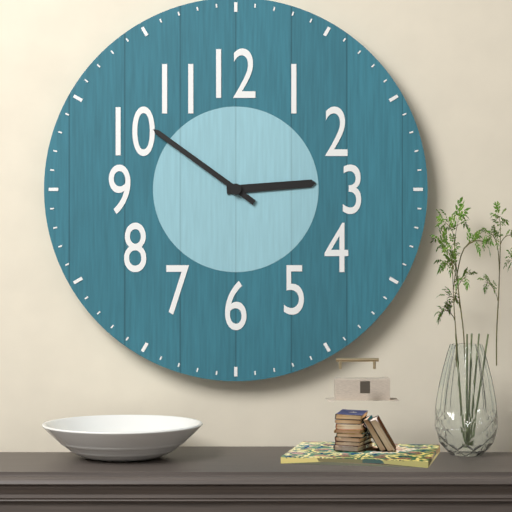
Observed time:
h=2 m=51
